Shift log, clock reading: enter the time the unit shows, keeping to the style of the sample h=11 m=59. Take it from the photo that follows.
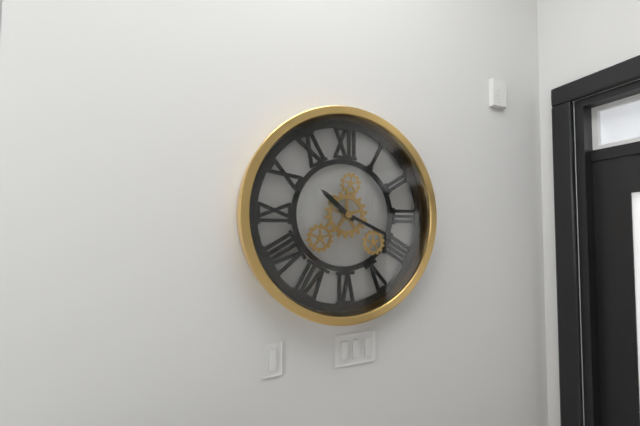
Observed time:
h=10 m=19
